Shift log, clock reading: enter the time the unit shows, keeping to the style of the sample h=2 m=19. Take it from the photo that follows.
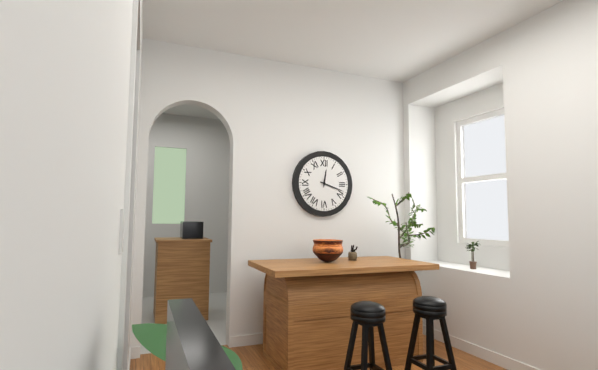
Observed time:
h=12 m=18
